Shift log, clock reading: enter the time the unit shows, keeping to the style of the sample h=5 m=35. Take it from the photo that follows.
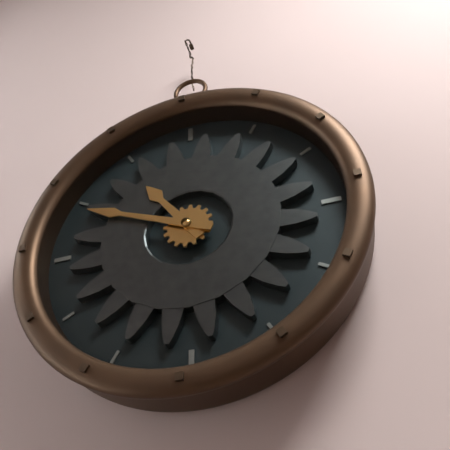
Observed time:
h=10 m=49
